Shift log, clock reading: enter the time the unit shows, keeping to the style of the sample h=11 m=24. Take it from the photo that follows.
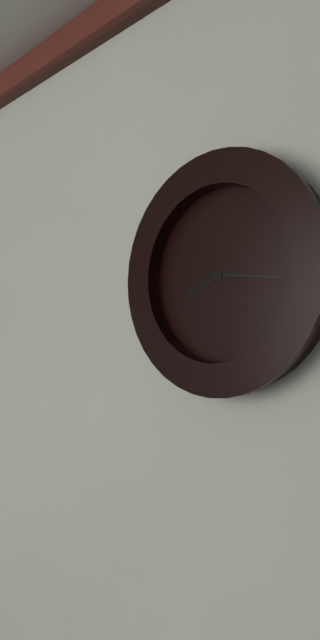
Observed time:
h=8 m=16
